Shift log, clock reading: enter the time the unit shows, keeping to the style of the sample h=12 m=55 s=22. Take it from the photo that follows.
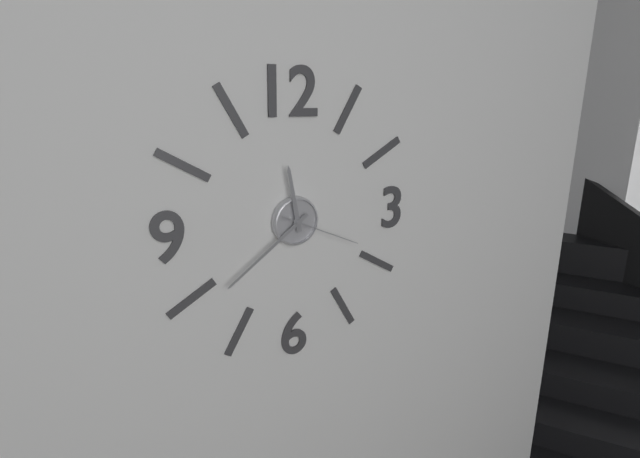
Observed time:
h=11 m=39 s=19
